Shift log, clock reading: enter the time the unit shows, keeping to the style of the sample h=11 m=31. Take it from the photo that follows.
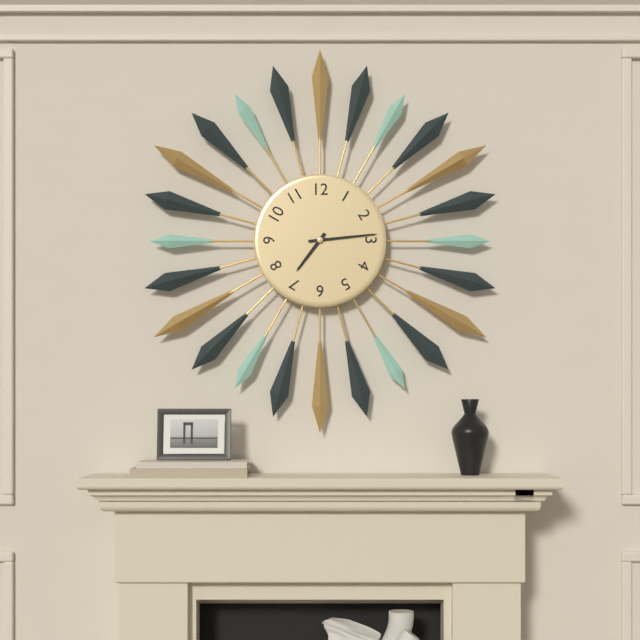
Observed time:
h=7 m=14
